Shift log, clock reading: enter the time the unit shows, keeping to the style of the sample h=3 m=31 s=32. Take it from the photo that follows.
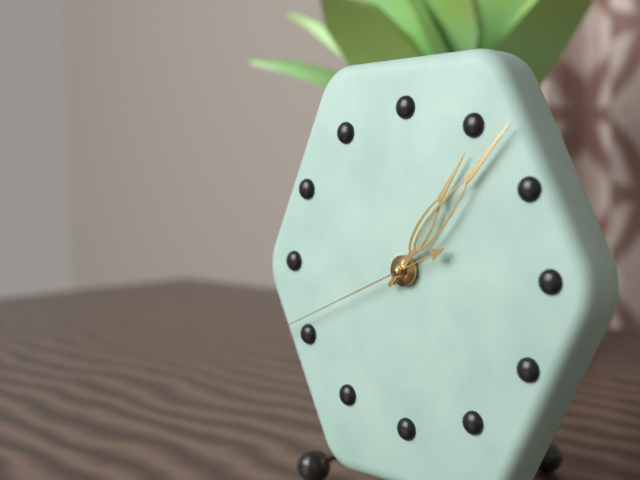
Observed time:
h=1 m=7 s=41
